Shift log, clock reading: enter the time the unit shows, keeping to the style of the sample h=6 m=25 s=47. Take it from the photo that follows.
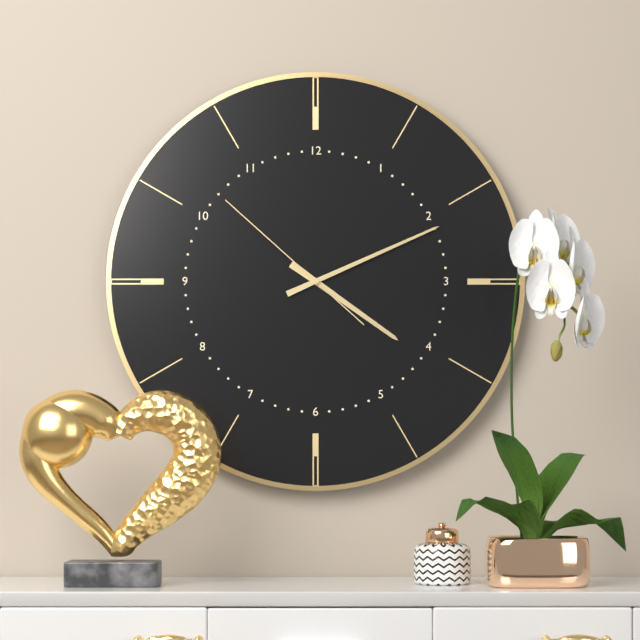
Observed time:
h=4 m=11 s=52
